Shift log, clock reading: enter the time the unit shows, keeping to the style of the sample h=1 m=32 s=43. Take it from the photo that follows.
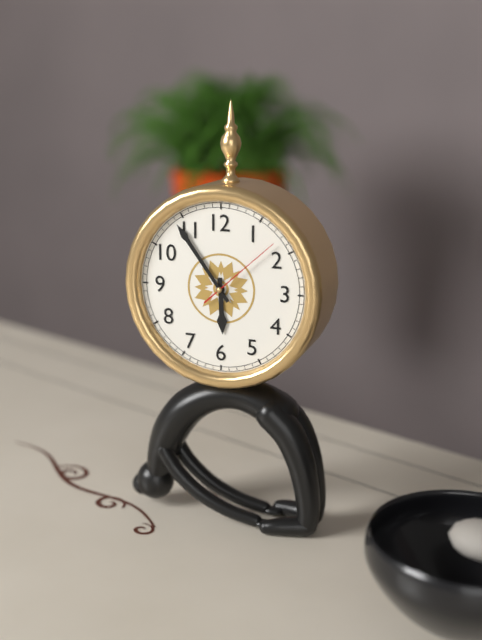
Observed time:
h=5 m=54 s=8
